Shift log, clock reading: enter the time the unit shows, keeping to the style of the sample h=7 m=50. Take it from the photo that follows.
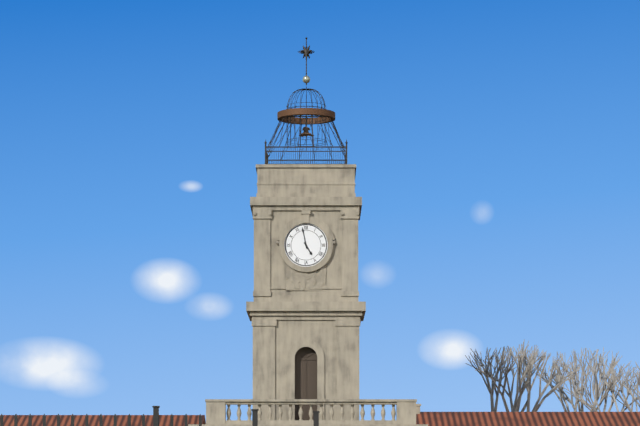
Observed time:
h=4 m=58
